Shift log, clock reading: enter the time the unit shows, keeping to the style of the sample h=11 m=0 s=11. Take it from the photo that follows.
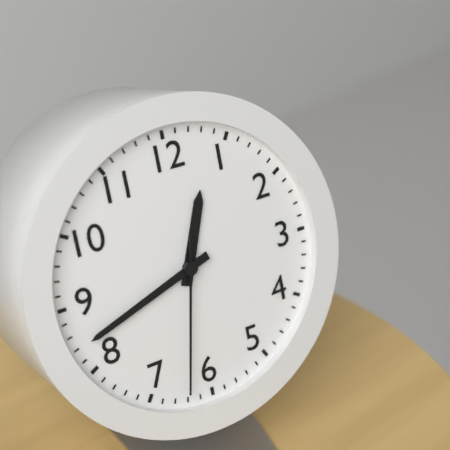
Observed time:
h=12 m=42 s=32
